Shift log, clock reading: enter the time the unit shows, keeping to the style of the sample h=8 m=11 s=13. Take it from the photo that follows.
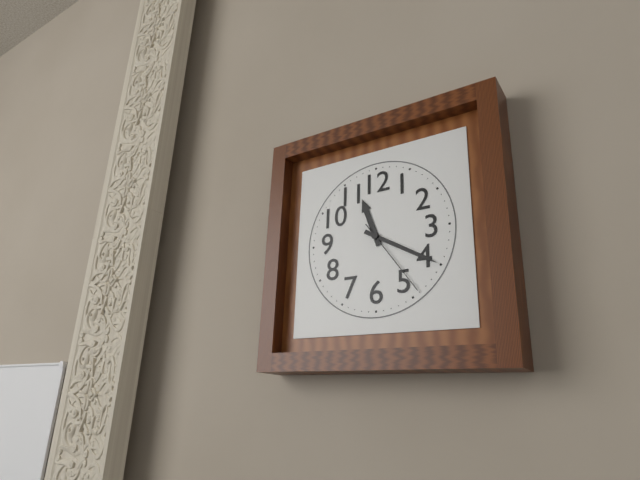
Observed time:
h=11 m=20 s=24
